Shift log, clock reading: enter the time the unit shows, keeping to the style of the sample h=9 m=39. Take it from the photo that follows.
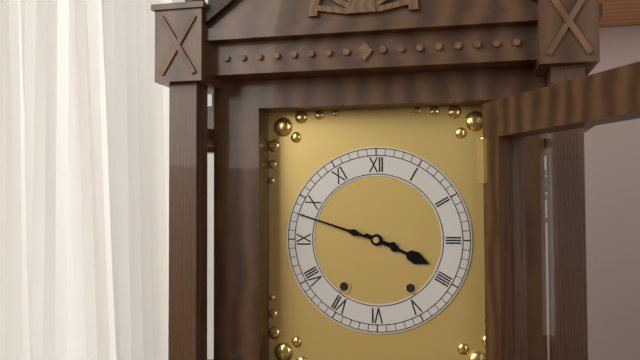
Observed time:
h=3 m=48
